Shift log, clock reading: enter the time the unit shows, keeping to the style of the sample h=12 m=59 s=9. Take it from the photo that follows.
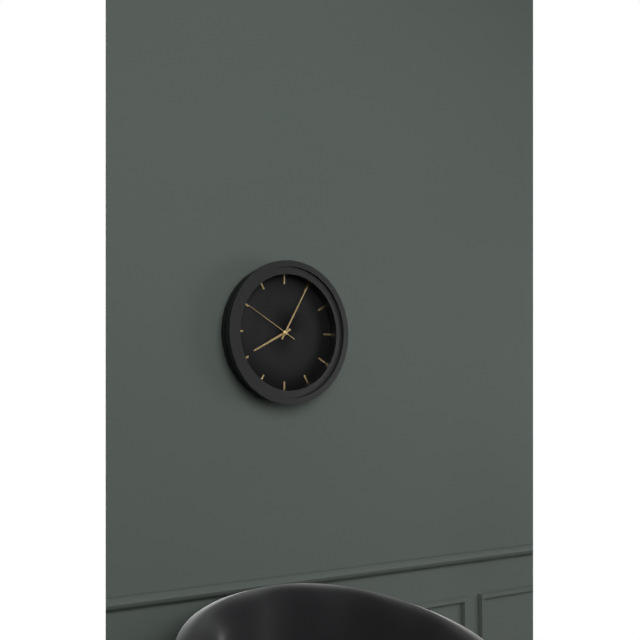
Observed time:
h=8 m=5 s=50
